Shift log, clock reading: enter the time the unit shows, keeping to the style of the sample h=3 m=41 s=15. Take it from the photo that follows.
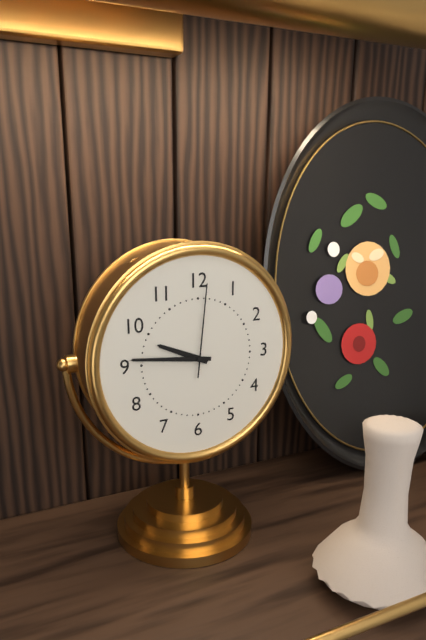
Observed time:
h=9 m=46 s=1
